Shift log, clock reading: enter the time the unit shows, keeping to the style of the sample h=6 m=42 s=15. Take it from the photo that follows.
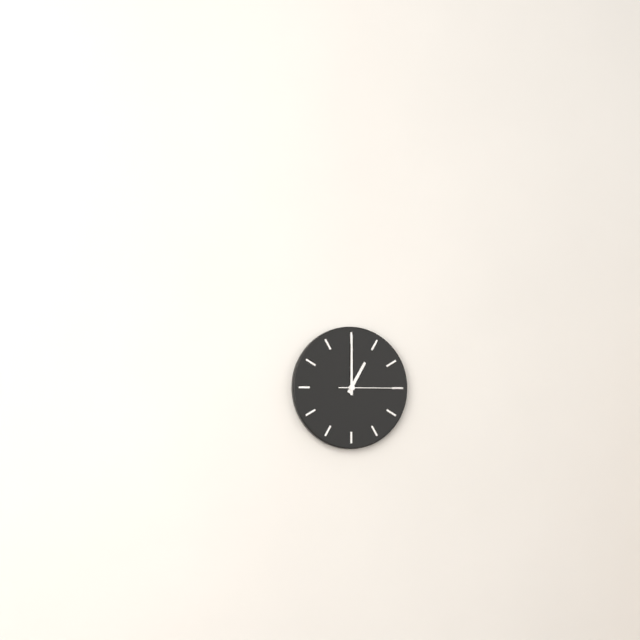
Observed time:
h=1 m=0 s=15
